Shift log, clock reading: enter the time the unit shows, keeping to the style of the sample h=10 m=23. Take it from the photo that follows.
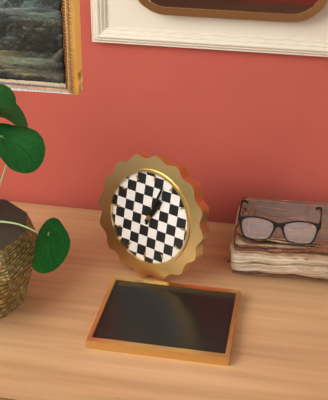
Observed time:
h=1 m=3
